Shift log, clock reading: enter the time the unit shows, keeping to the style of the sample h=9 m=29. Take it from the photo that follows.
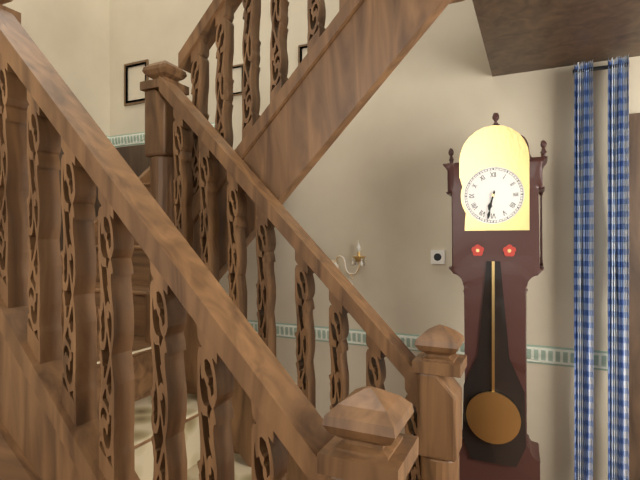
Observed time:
h=6 m=32
